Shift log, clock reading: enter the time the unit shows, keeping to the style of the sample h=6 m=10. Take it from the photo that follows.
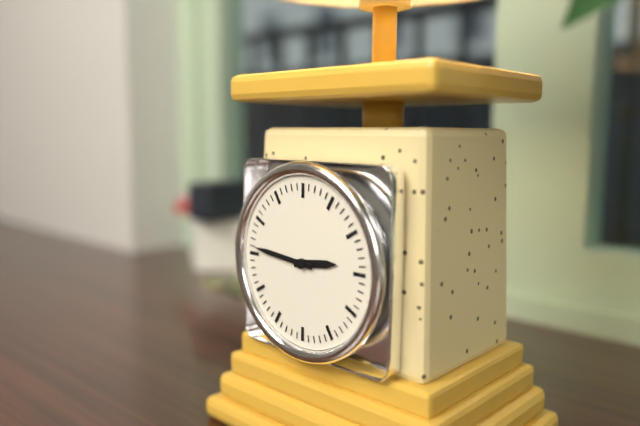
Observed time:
h=2 m=46
